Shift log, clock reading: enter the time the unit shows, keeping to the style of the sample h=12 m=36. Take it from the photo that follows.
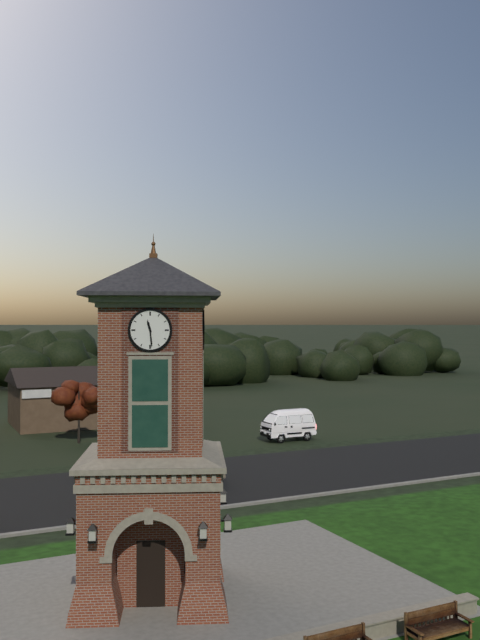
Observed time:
h=11 m=29
